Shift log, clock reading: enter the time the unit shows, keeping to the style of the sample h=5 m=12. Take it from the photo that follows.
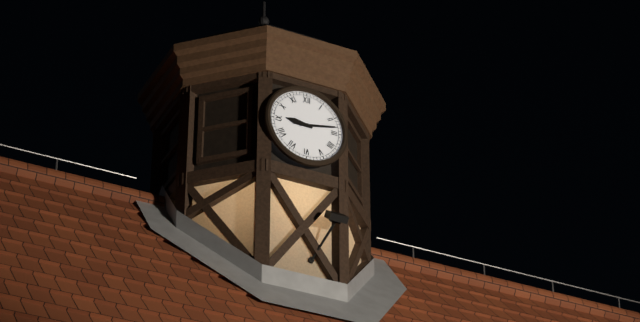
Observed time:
h=9 m=13
